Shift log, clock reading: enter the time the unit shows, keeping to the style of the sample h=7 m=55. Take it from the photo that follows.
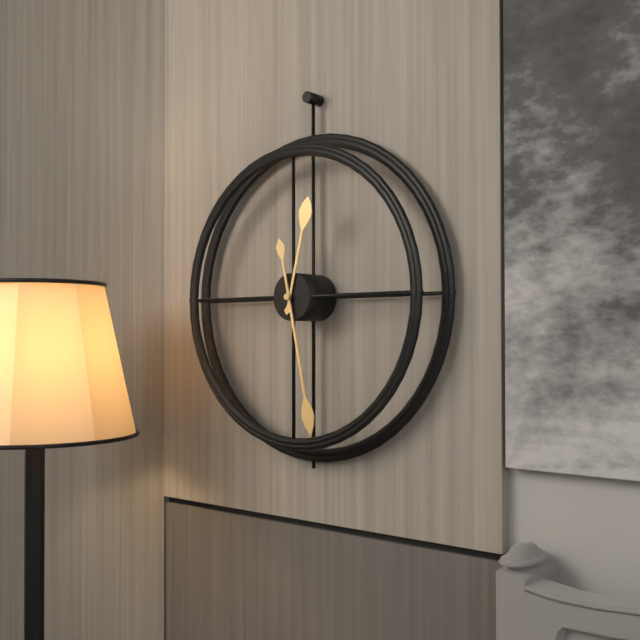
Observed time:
h=12 m=28
